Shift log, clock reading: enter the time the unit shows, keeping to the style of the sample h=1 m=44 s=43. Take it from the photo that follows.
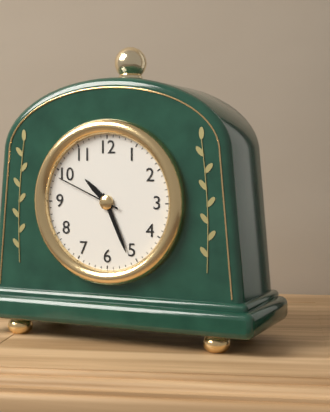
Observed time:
h=10 m=26 s=49
